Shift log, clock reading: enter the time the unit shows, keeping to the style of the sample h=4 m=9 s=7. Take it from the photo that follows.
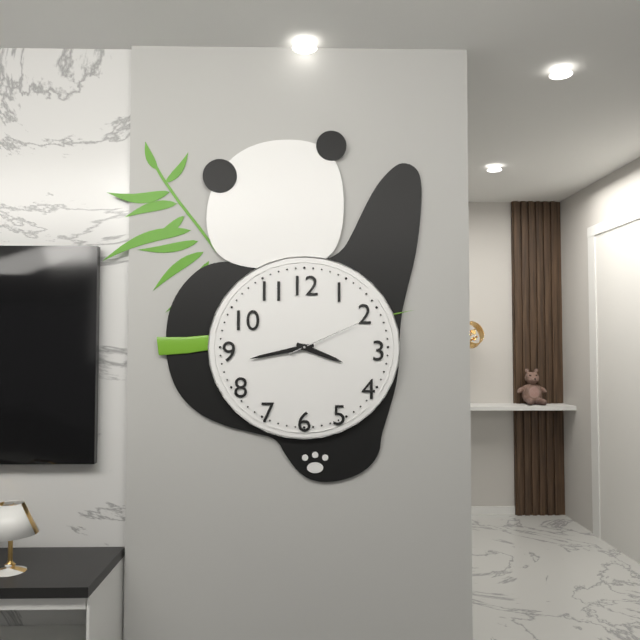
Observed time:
h=3 m=43 s=11
